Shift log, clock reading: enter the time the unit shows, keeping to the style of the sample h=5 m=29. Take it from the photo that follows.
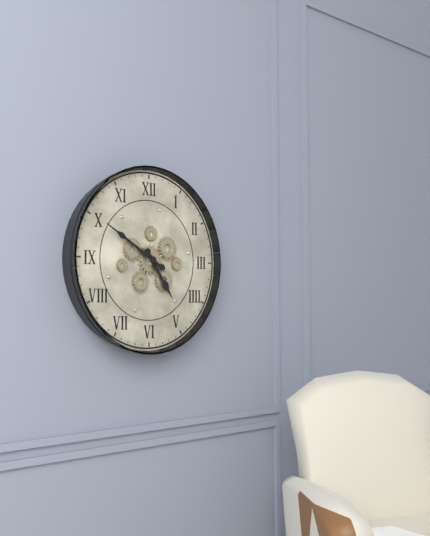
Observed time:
h=4 m=50
